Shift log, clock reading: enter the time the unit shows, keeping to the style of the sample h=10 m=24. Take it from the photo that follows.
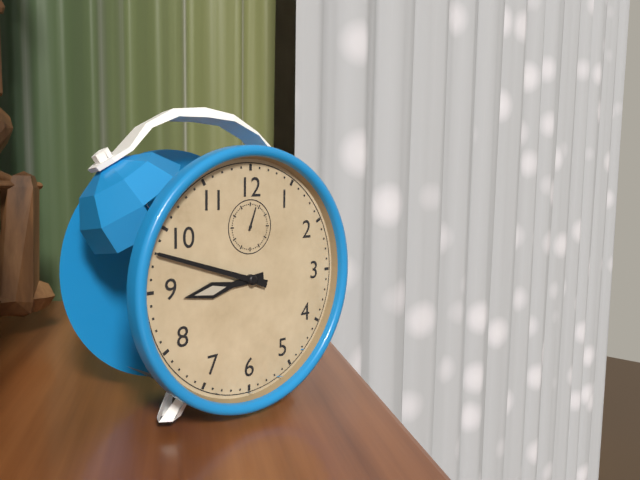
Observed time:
h=8 m=48
